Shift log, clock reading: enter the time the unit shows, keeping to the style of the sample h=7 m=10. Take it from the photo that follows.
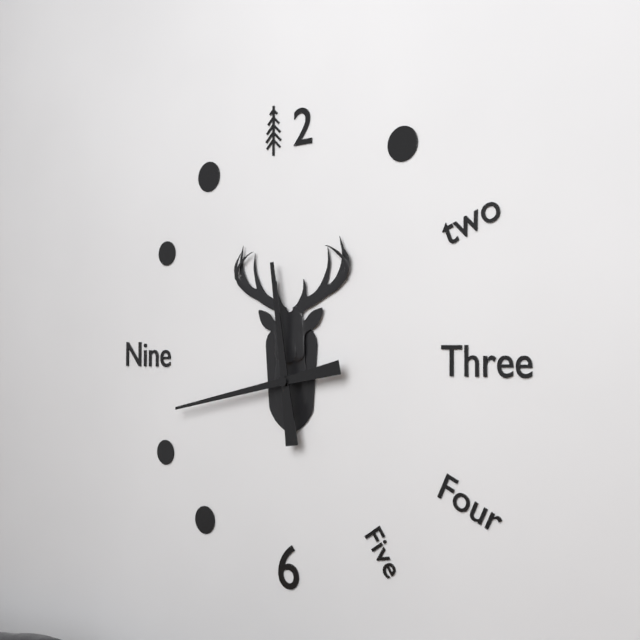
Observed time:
h=11 m=43
